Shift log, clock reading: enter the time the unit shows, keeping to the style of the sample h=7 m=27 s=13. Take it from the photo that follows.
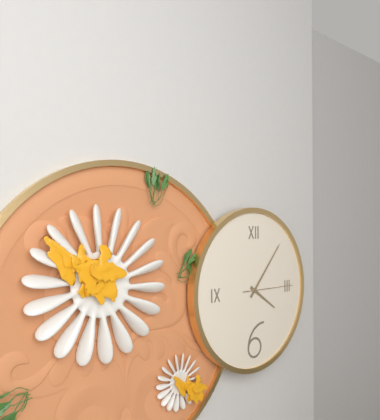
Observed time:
h=4 m=7 s=15
